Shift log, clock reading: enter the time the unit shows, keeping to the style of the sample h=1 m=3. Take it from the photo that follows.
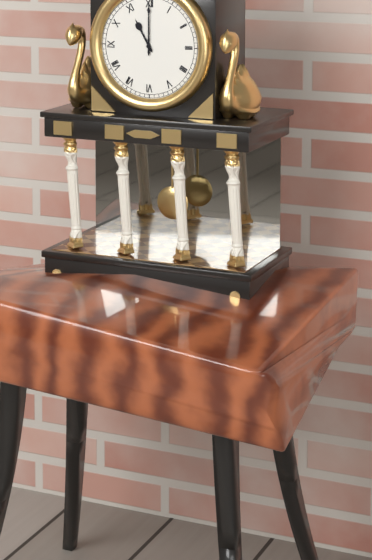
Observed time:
h=11 m=0
